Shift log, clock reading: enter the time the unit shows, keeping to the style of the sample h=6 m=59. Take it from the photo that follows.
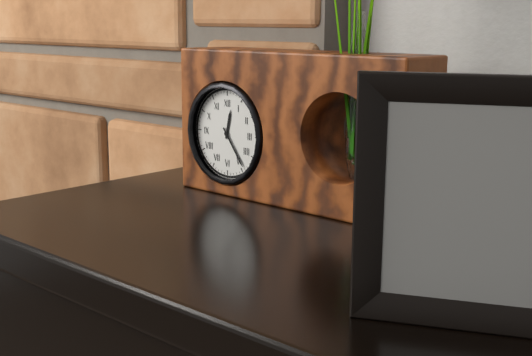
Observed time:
h=12 m=24
